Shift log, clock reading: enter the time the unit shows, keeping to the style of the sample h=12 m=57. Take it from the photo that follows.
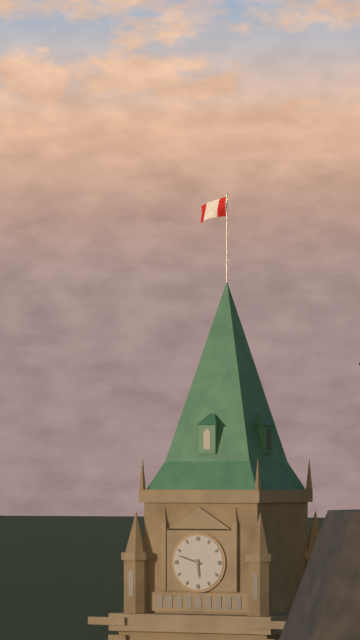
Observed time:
h=5 m=48
